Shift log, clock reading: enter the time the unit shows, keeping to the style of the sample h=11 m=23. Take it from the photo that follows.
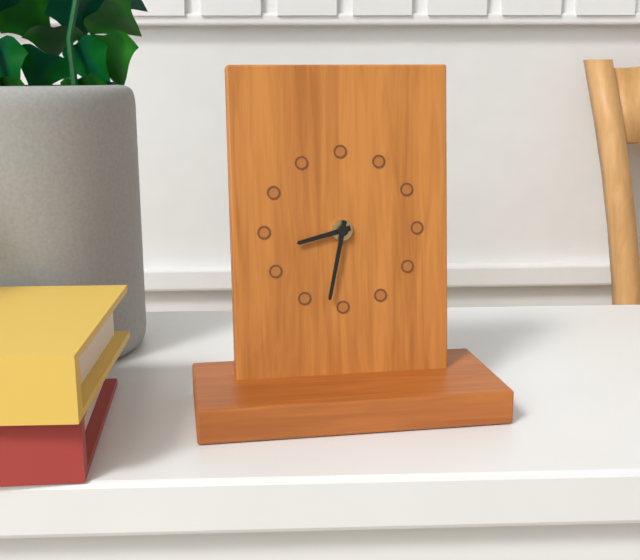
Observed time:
h=8 m=32
